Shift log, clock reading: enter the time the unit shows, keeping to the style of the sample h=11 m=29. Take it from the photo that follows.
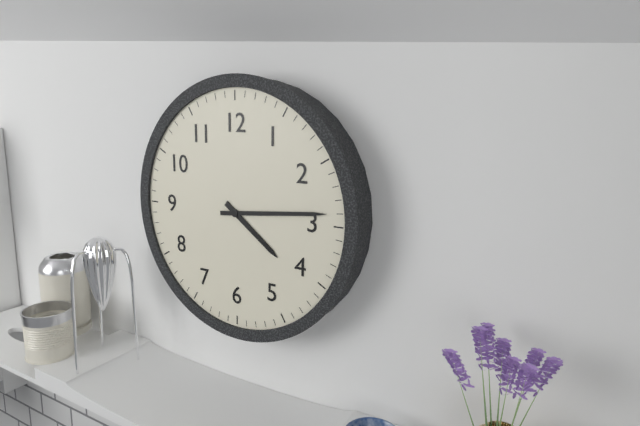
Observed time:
h=4 m=14
